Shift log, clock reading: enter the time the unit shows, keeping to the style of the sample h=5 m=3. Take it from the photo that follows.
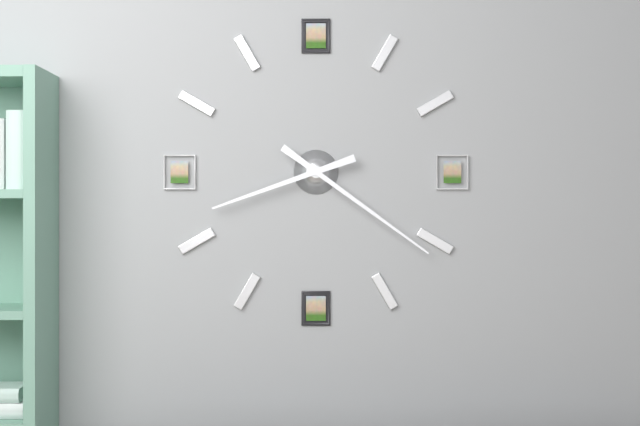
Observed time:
h=8 m=21
